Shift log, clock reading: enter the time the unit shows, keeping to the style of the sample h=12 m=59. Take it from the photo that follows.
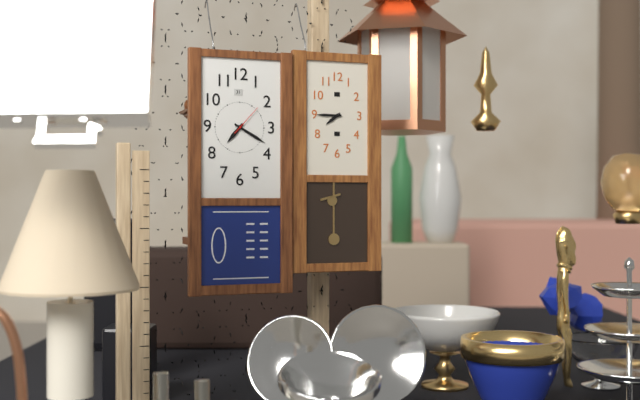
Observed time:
h=7 m=20
